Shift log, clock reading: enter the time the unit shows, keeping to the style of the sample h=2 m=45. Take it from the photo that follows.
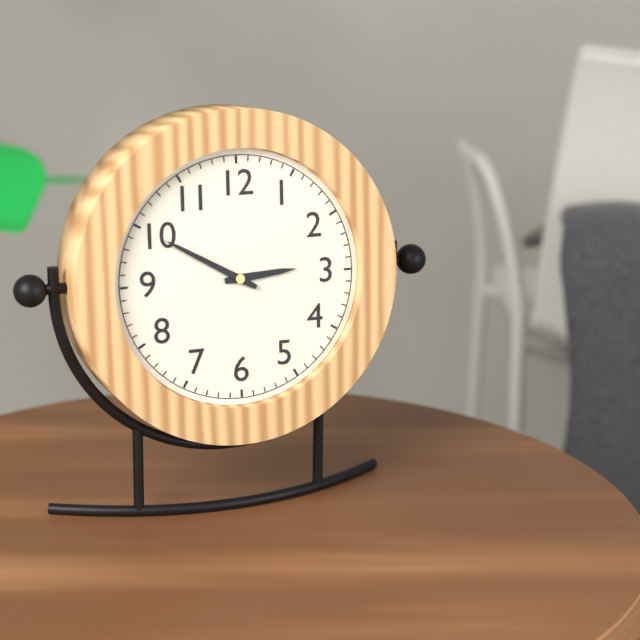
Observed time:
h=2 m=50
